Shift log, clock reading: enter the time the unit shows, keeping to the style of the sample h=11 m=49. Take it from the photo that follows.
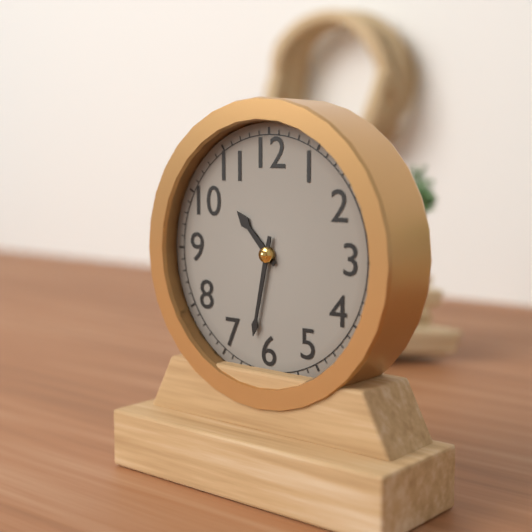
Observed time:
h=10 m=32
